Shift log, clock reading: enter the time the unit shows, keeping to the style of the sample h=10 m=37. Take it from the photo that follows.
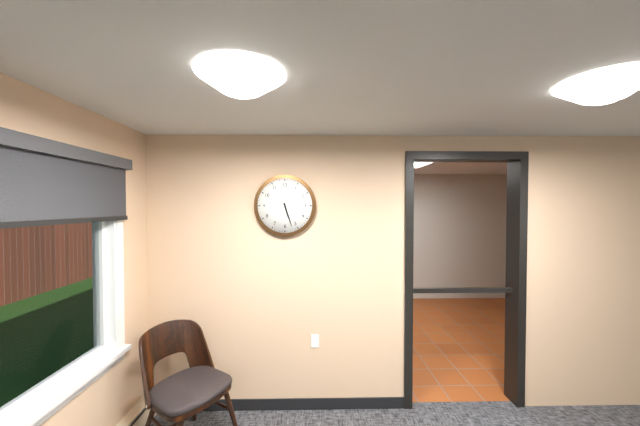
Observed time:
h=5 m=27
